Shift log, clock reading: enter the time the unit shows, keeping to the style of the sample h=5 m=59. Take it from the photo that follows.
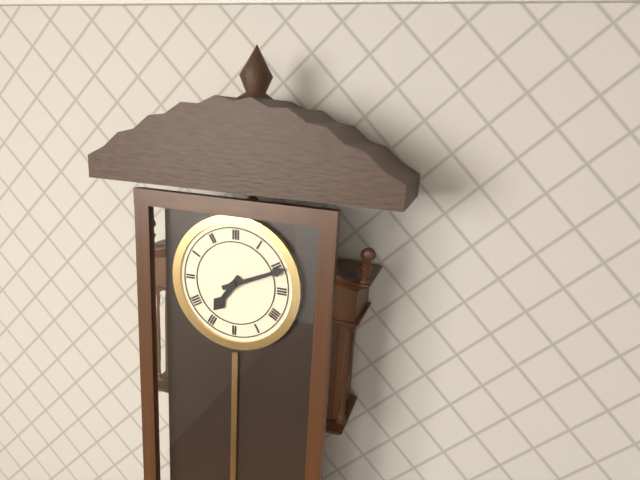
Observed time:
h=7 m=11
